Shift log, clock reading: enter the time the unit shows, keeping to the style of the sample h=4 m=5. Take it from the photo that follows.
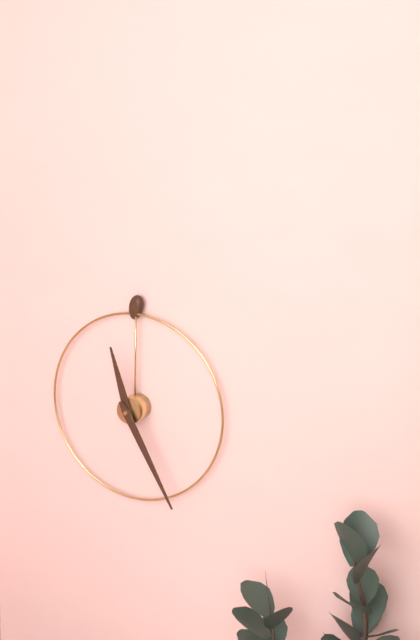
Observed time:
h=11 m=25
